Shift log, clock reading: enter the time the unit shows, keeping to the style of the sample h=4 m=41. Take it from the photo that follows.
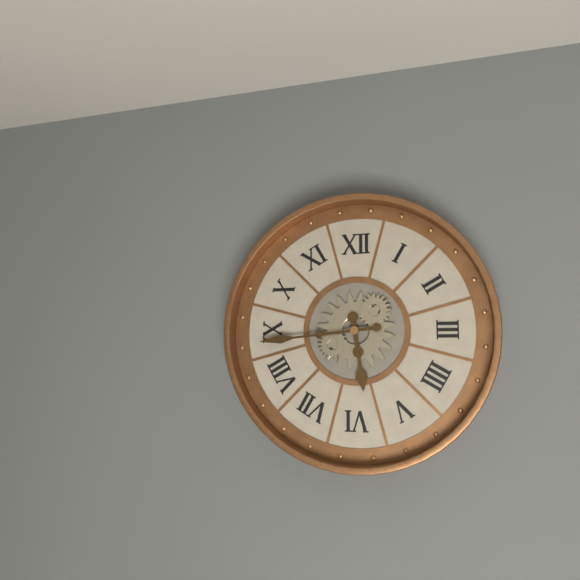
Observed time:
h=5 m=44
